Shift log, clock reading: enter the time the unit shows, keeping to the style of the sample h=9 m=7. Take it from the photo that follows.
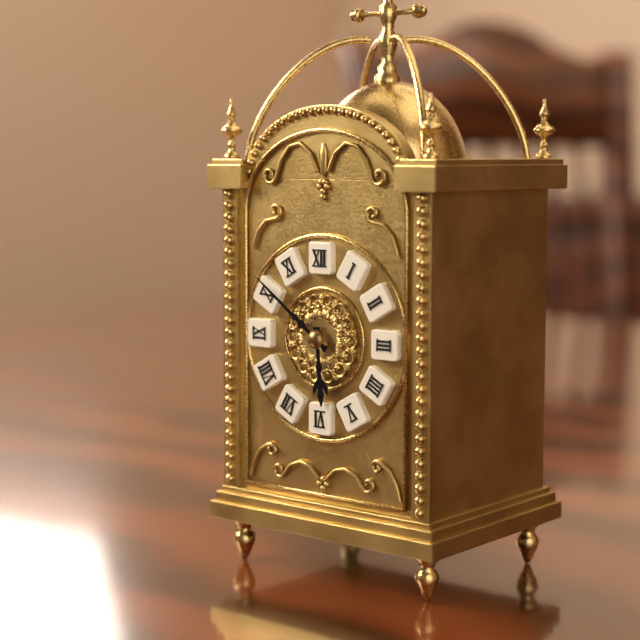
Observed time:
h=5 m=51
